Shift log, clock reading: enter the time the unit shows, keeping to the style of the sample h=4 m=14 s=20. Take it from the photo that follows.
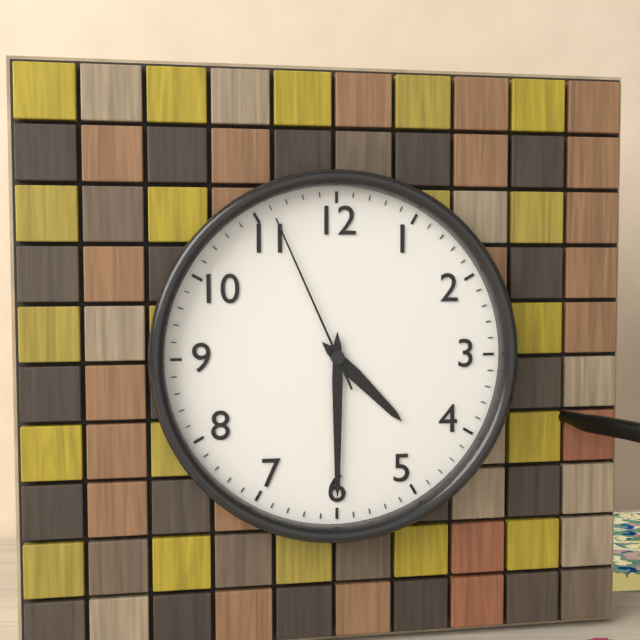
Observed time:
h=4 m=30 s=56
